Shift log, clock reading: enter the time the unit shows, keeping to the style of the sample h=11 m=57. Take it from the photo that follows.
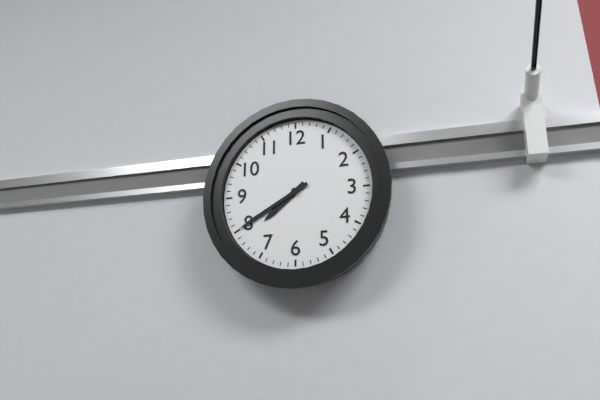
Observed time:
h=7 m=40
